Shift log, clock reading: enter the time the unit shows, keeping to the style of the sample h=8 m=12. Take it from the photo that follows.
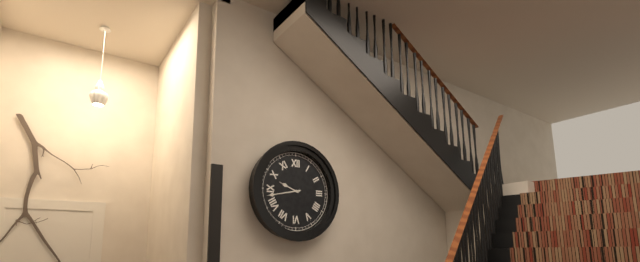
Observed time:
h=9 m=43
